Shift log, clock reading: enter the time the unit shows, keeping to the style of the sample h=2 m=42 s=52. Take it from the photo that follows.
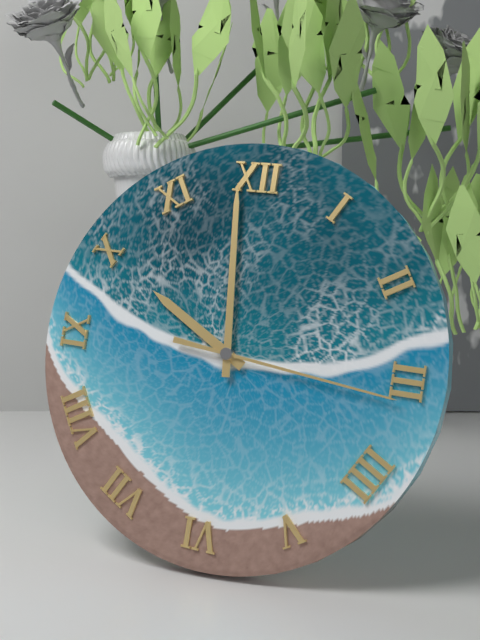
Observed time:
h=9 m=59 s=16
